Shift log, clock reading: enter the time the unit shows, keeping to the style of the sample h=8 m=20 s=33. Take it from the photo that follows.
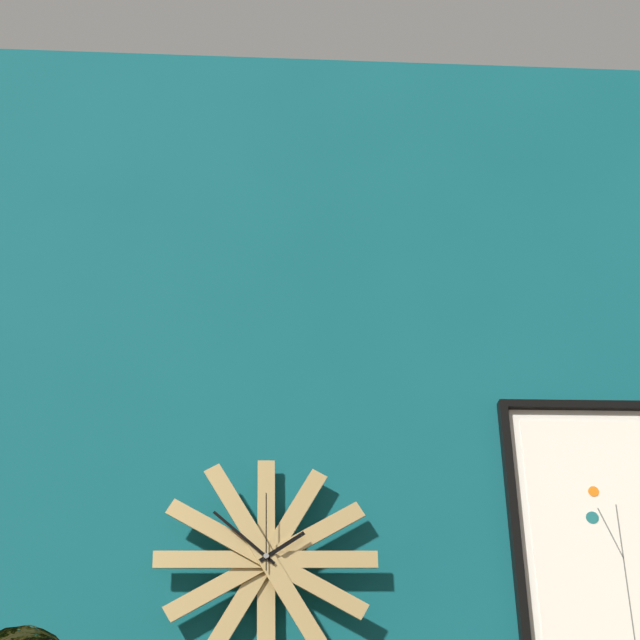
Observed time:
h=1 m=52 s=0
